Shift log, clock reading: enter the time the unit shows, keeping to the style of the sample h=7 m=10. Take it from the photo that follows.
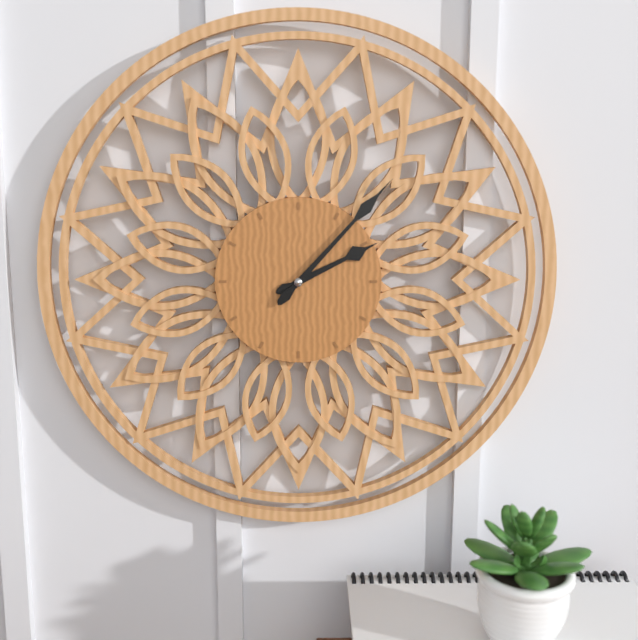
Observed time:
h=2 m=7
